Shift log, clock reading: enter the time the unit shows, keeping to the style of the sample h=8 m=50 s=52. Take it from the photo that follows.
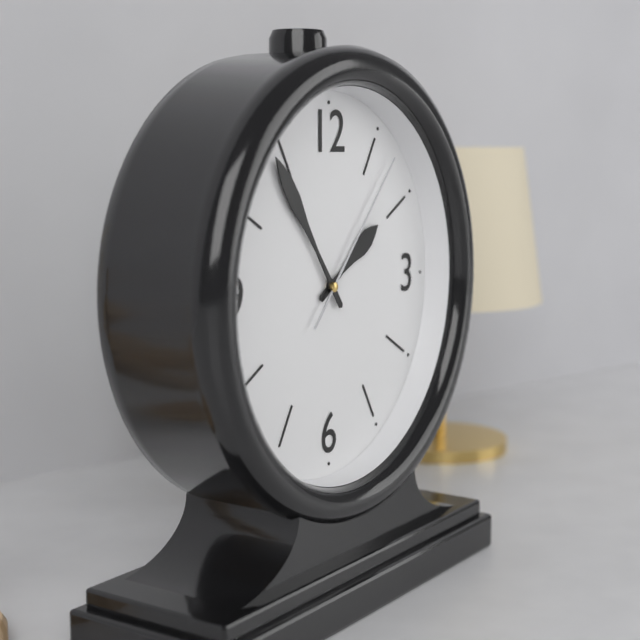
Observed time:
h=1 m=54 s=7
